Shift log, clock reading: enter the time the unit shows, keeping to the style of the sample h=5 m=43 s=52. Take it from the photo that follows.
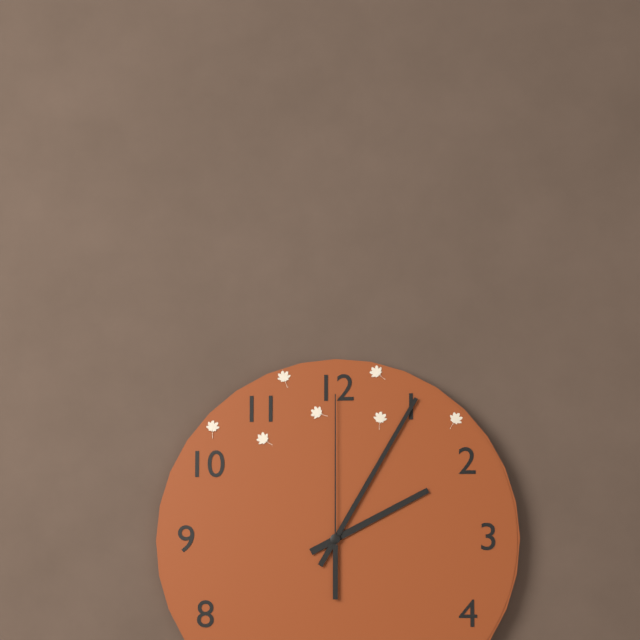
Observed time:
h=2 m=5 s=0
